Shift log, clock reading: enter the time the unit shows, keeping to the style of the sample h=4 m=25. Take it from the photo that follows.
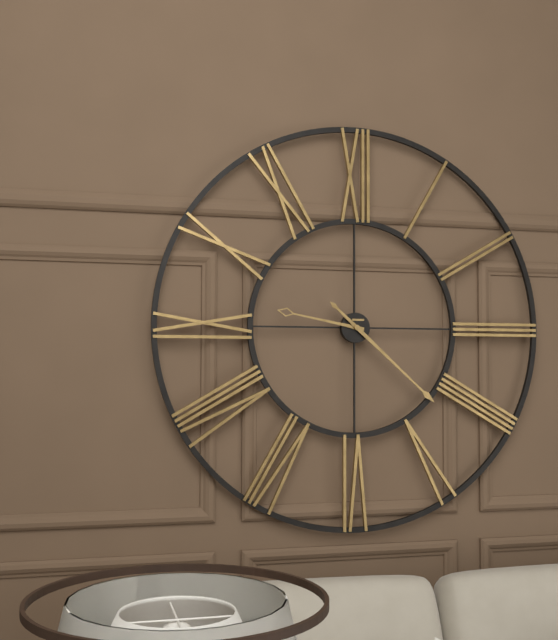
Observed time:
h=9 m=22
